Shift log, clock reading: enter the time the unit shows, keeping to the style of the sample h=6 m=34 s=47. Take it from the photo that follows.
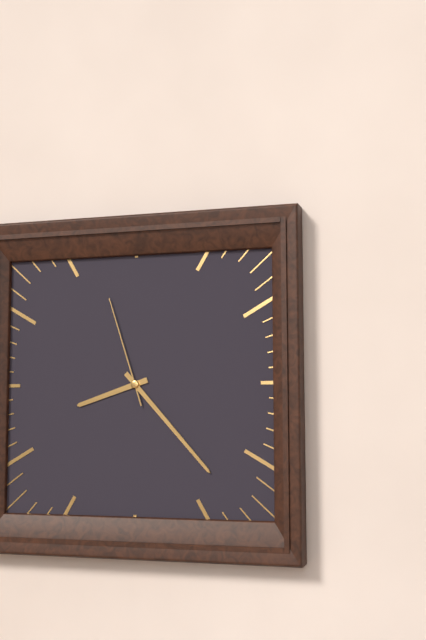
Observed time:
h=8 m=23 s=57
